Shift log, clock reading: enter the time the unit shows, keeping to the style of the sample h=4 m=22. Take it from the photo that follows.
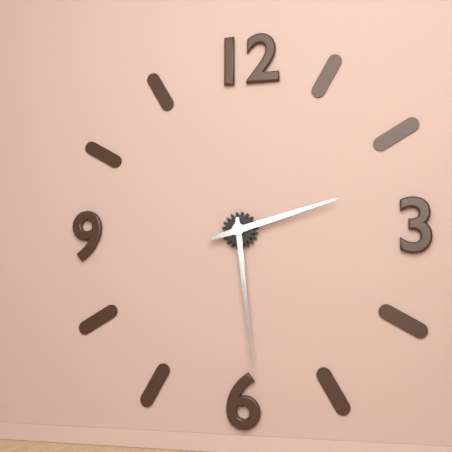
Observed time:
h=2 m=29
